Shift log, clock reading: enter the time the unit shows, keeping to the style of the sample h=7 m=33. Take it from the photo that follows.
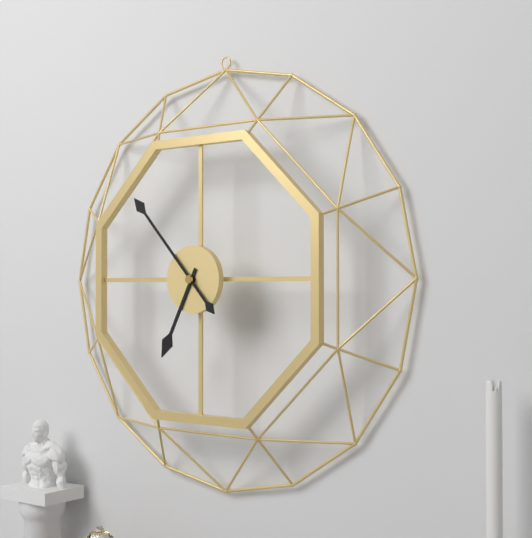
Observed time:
h=6 m=53
